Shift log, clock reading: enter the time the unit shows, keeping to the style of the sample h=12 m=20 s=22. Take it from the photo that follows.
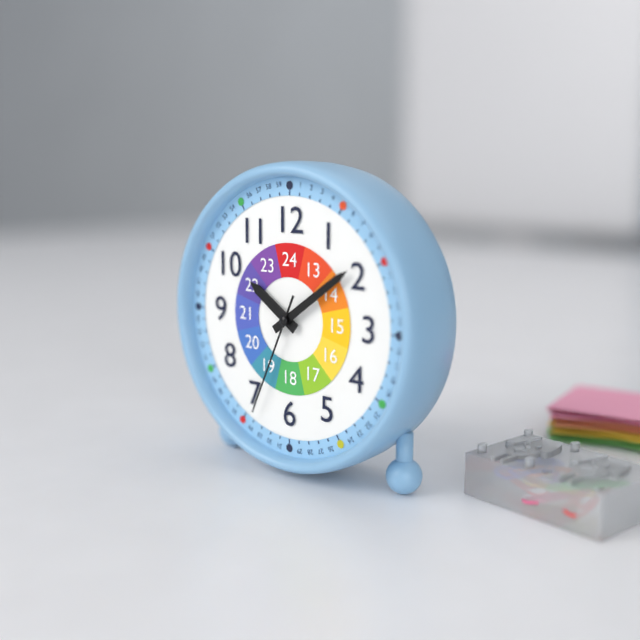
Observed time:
h=10 m=9 s=34
